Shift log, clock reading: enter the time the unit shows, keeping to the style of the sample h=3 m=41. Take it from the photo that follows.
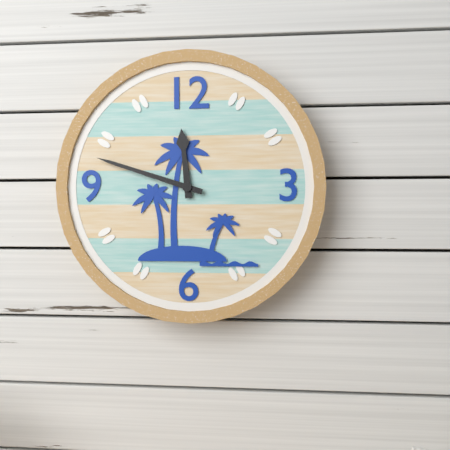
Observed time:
h=11 m=48
